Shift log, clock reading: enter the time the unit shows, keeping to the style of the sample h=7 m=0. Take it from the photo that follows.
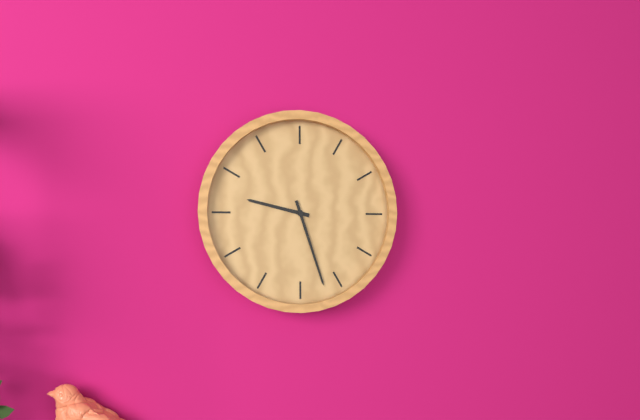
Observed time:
h=9 m=27
